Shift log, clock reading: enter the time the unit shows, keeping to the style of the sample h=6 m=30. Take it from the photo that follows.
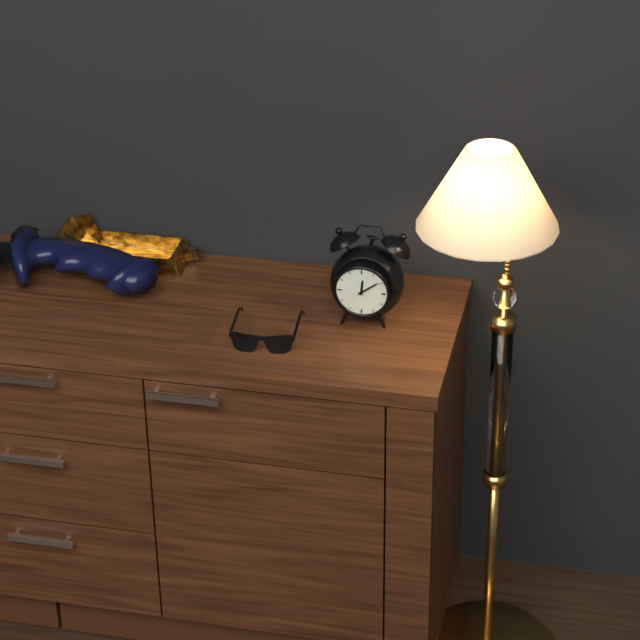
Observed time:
h=12 m=9
